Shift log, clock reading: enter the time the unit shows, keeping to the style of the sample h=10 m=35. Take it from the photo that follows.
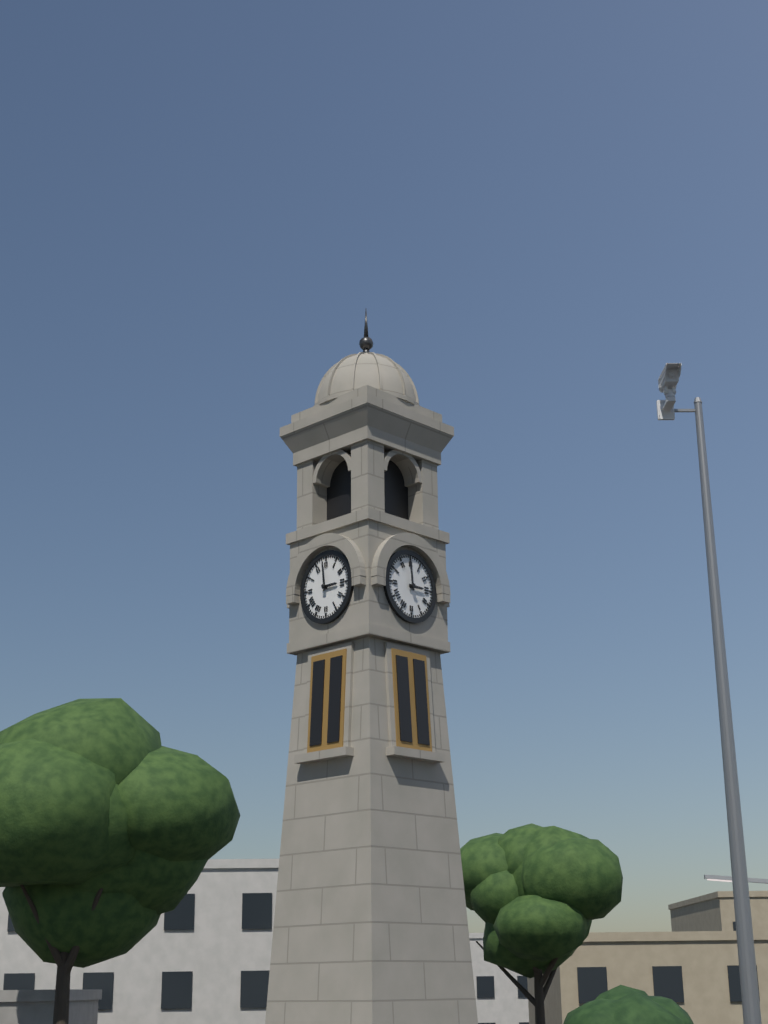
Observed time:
h=2 m=59
